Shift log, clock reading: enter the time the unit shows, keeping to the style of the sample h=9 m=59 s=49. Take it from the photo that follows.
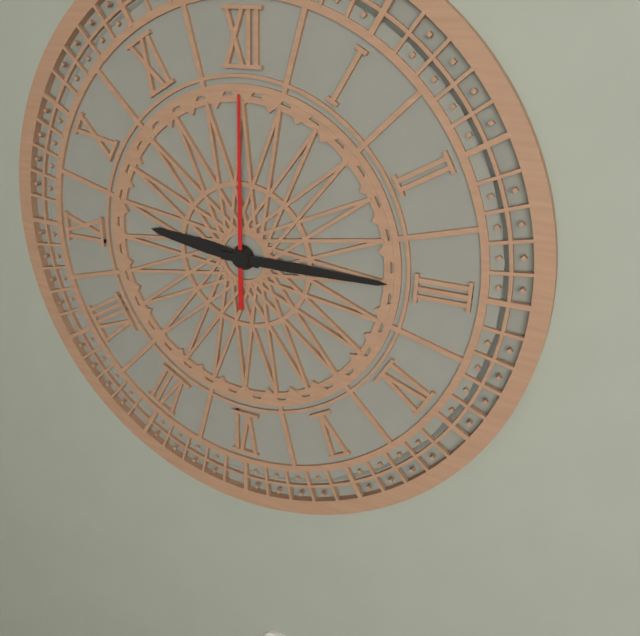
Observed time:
h=9 m=15 s=0
